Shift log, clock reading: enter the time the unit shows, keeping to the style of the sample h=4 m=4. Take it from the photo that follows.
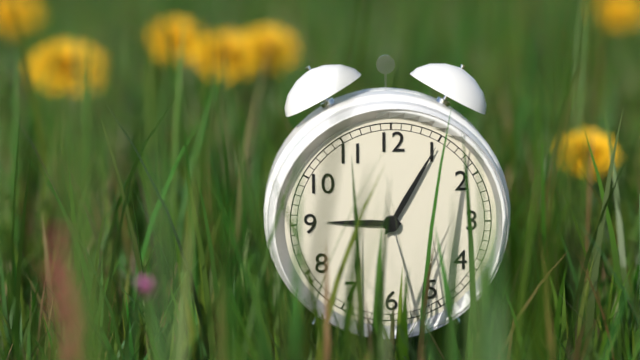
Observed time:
h=9 m=5
